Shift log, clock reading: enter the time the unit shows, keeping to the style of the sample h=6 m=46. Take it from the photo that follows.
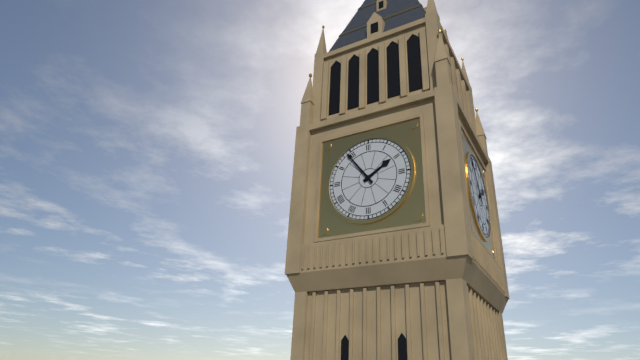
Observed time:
h=1 m=54
